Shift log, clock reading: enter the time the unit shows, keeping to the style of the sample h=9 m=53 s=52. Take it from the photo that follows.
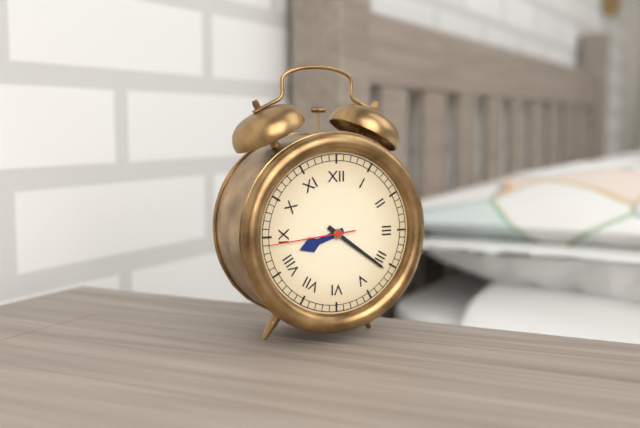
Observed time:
h=8 m=21 s=44
